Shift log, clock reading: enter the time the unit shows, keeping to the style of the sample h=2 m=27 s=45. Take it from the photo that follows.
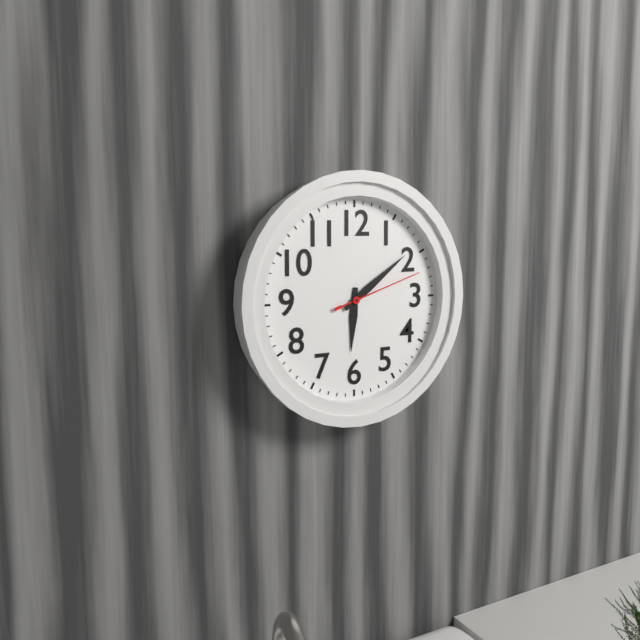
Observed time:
h=6 m=9 s=12
